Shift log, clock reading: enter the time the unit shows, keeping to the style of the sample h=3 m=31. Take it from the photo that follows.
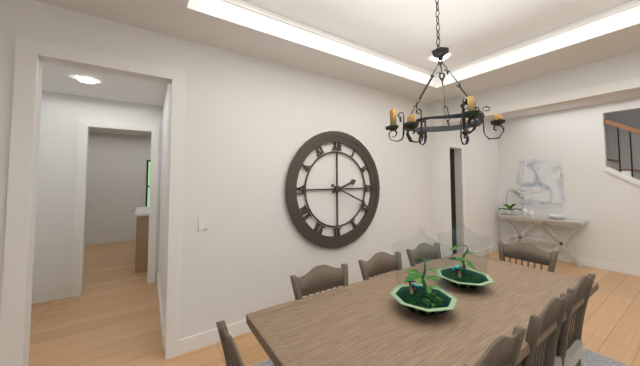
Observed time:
h=2 m=19
